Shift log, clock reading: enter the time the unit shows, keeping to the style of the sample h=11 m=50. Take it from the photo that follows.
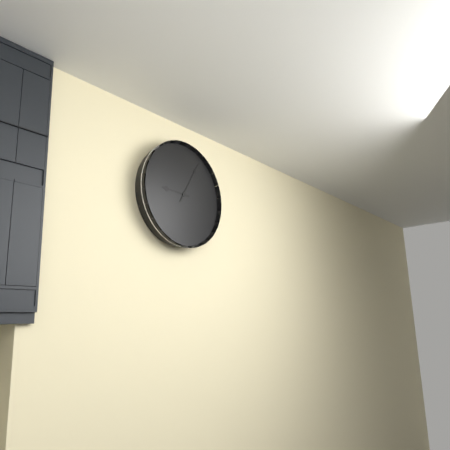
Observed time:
h=9 m=5
